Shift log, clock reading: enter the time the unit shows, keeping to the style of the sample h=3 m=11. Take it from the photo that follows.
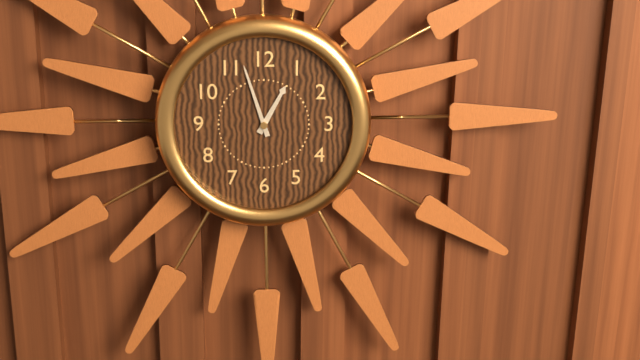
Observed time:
h=12 m=57
